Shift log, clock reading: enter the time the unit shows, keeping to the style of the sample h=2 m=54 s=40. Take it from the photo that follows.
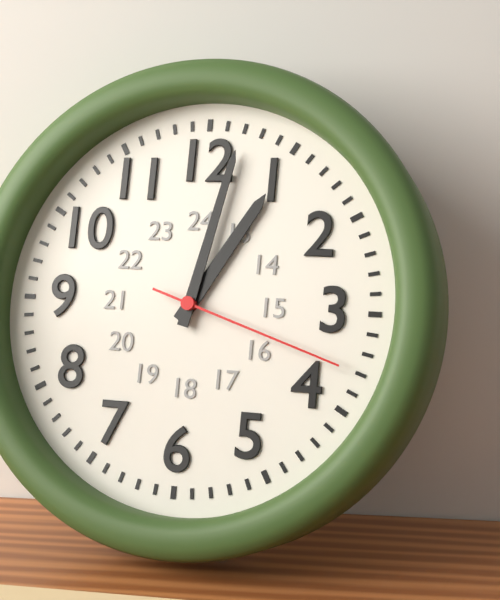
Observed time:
h=1 m=2 s=18
